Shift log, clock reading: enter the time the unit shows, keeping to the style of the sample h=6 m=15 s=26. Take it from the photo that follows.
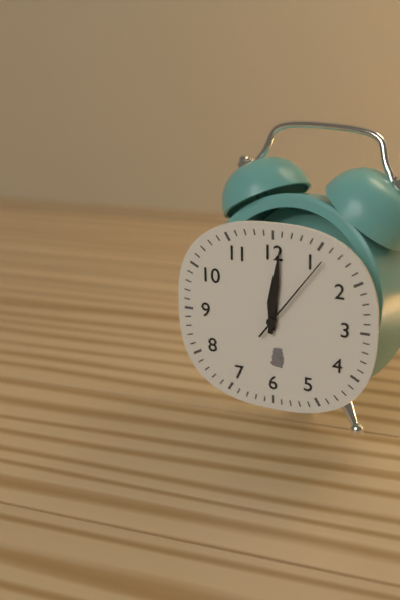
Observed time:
h=12 m=1 s=6
